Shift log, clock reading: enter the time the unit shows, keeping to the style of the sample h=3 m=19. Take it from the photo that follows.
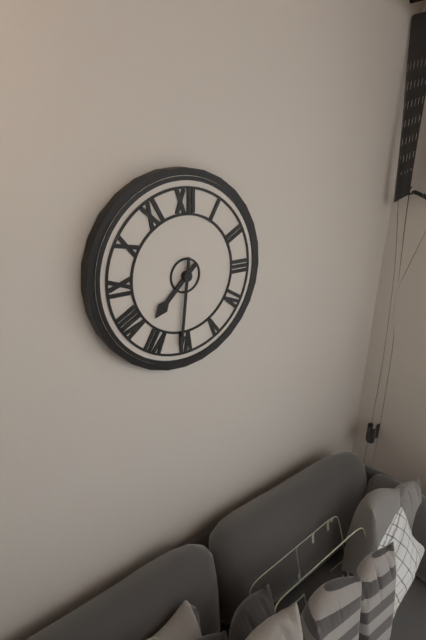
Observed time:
h=7 m=31
